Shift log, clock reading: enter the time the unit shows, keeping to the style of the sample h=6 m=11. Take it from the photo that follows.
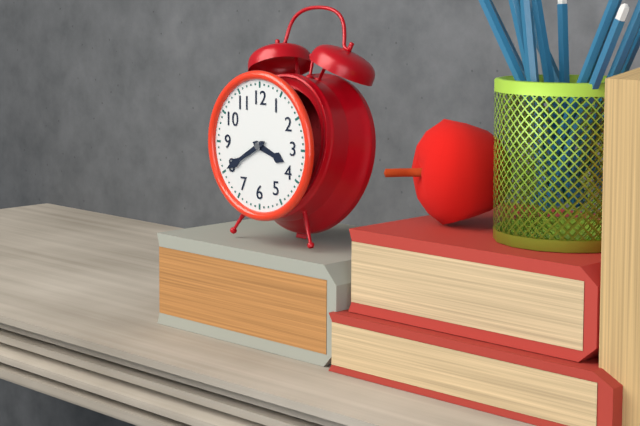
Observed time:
h=3 m=40
